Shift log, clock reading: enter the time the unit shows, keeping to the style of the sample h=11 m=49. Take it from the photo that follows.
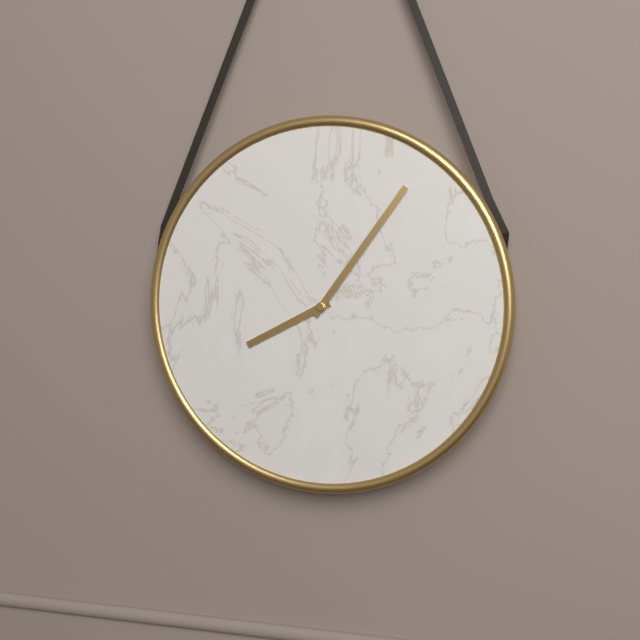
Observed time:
h=8 m=6
